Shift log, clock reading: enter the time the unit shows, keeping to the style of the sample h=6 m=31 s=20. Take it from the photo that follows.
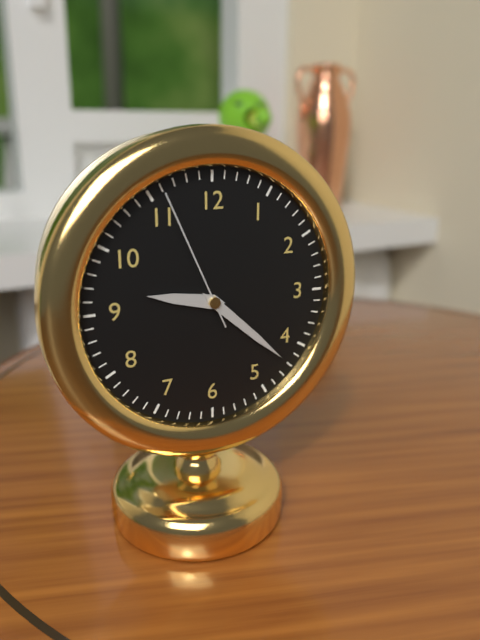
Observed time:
h=9 m=22 s=56
